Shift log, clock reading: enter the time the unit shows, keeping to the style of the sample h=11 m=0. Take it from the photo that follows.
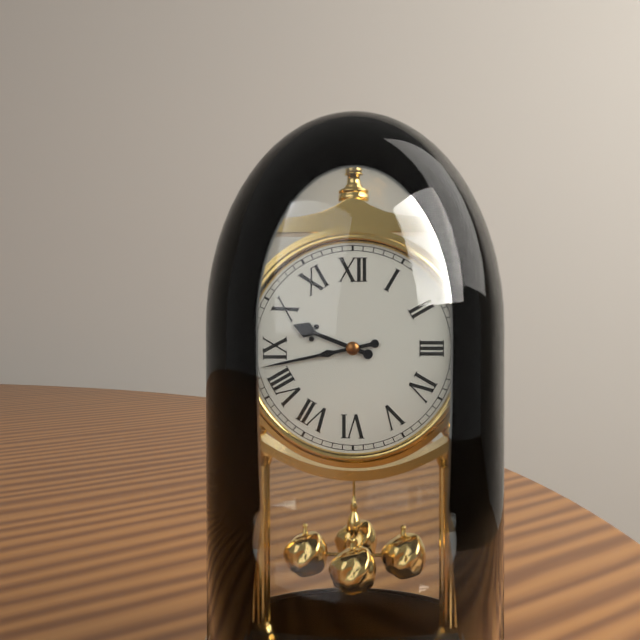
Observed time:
h=9 m=43
